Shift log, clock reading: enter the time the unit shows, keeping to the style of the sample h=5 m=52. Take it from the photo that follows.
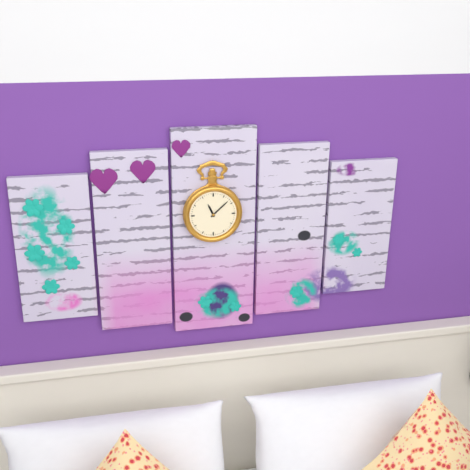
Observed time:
h=11 m=8
